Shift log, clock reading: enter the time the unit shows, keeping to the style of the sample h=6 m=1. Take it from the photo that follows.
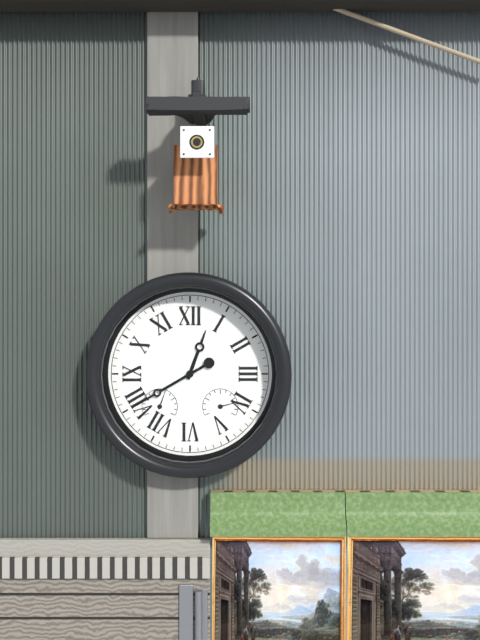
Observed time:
h=12 m=40
